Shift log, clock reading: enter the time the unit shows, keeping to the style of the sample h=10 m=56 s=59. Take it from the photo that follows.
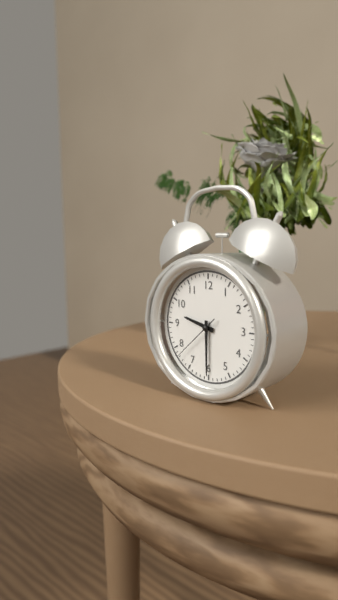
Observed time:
h=9 m=30 s=38
